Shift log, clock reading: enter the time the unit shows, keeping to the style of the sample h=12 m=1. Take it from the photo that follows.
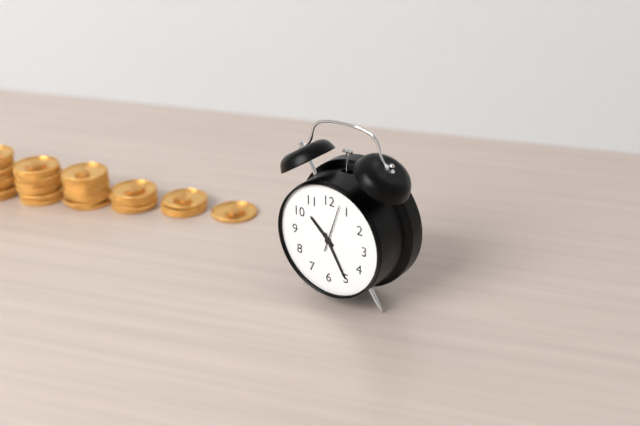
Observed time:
h=10 m=25
